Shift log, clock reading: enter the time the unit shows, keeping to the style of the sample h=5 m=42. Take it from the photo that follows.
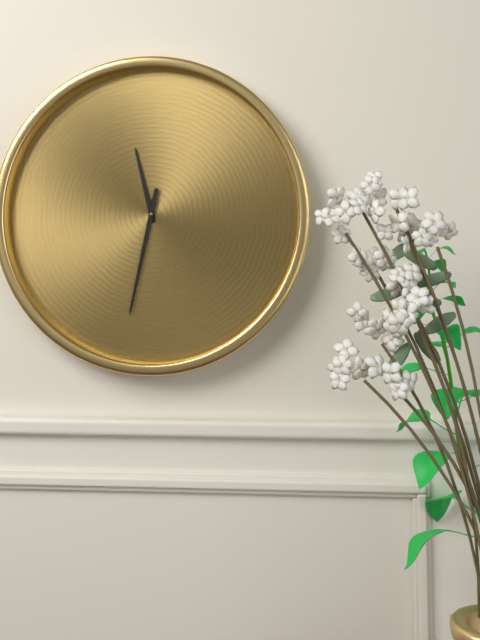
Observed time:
h=11 m=32
